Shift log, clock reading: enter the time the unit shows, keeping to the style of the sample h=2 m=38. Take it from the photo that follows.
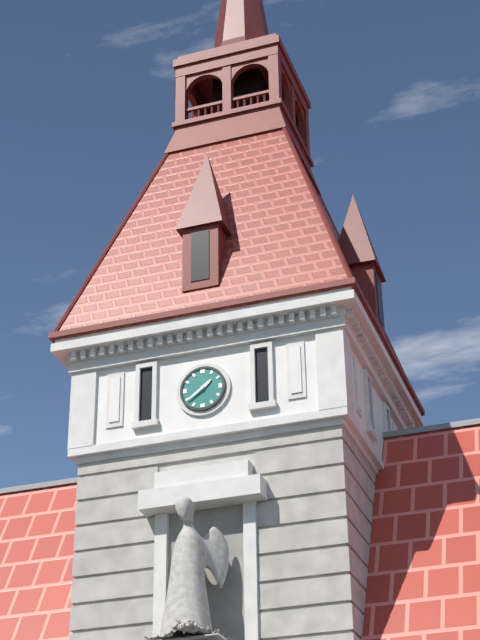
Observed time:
h=1 m=39
